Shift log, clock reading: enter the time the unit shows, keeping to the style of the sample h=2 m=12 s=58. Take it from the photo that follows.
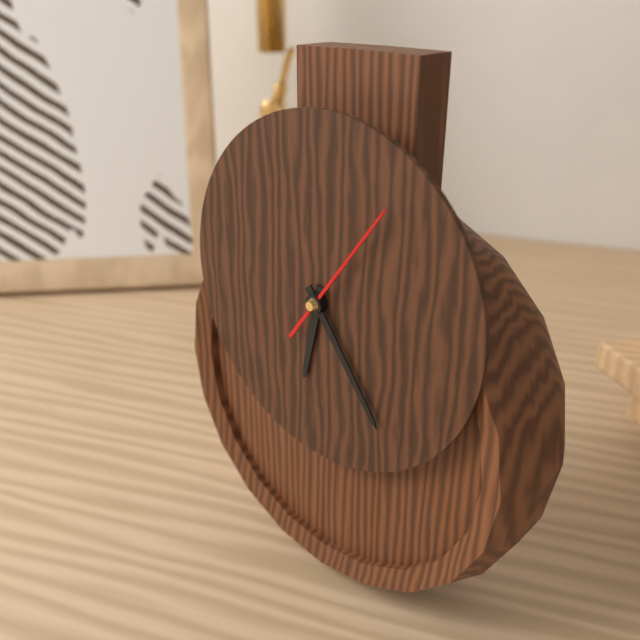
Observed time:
h=6 m=24 s=6
